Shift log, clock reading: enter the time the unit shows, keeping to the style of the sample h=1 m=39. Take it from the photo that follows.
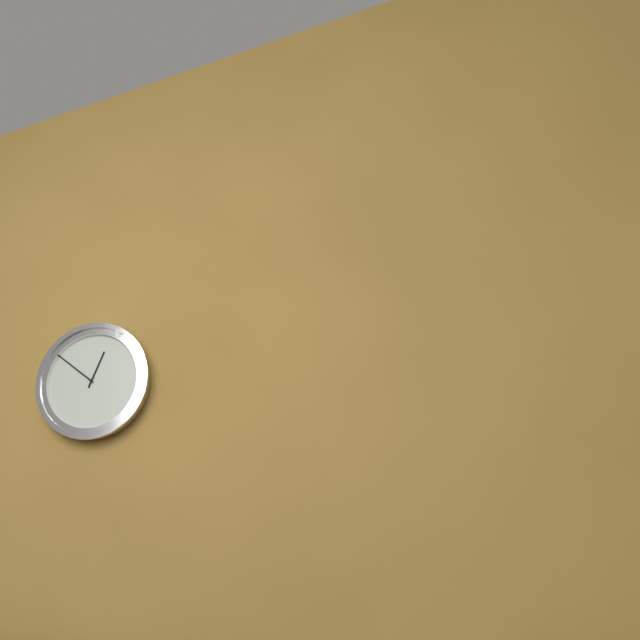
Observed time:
h=12 m=52
